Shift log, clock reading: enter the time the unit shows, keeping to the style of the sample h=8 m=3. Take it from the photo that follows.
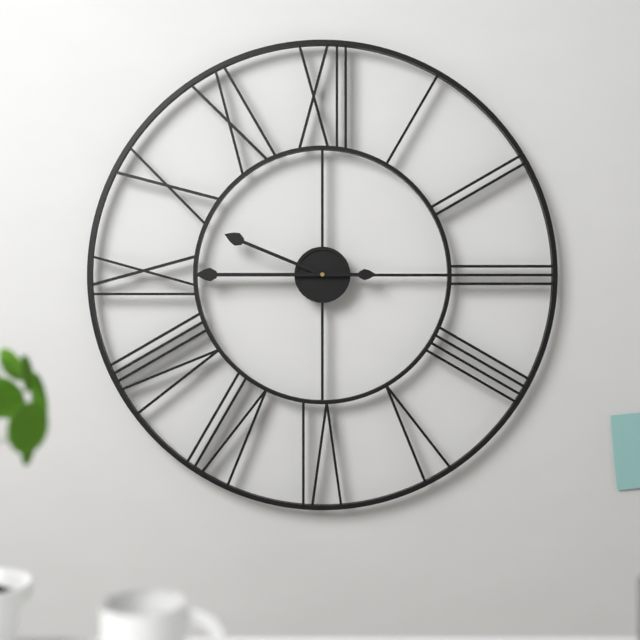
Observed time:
h=9 m=45
